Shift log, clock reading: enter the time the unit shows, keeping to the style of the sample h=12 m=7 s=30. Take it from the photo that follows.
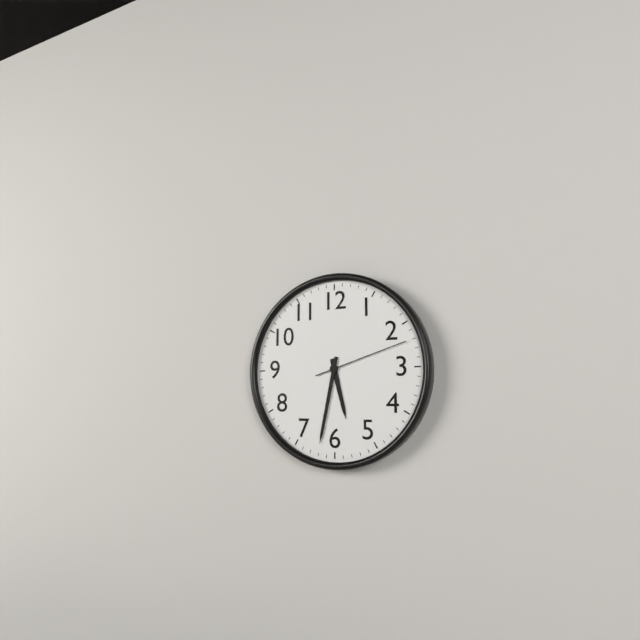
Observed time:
h=5 m=32 s=12
